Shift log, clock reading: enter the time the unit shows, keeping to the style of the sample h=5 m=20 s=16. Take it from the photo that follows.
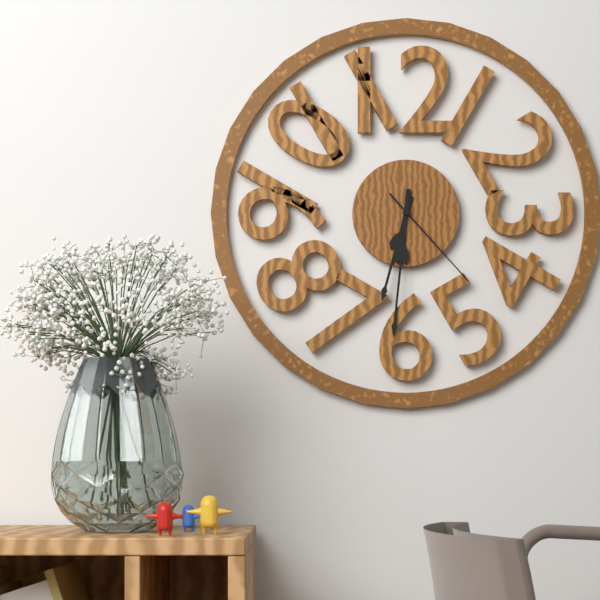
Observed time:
h=6 m=31 s=23
